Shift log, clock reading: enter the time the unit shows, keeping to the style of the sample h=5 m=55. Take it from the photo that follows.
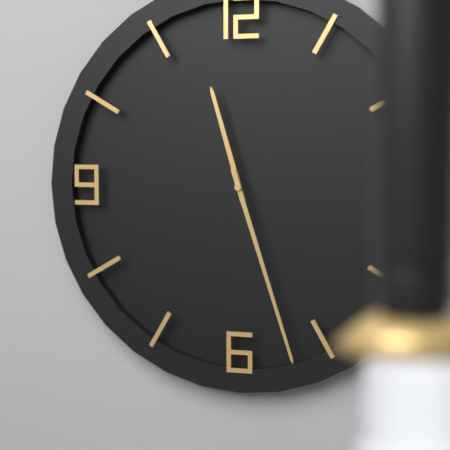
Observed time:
h=11 m=27
